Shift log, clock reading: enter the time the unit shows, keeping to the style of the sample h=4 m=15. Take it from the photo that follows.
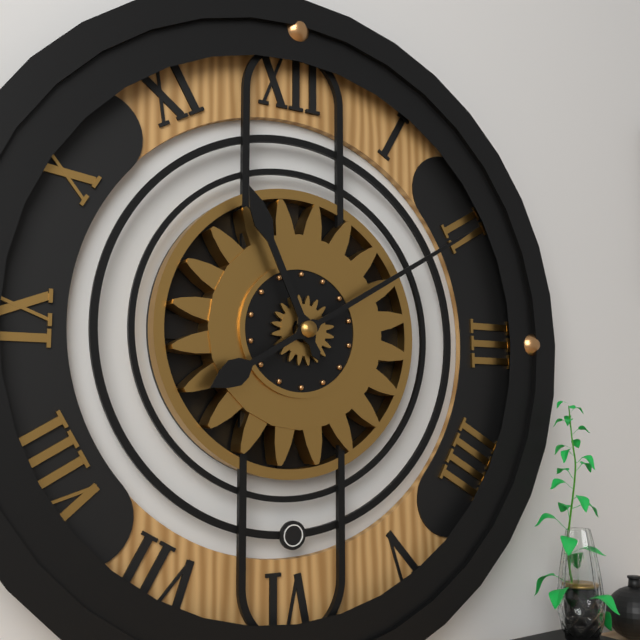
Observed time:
h=11 m=10
